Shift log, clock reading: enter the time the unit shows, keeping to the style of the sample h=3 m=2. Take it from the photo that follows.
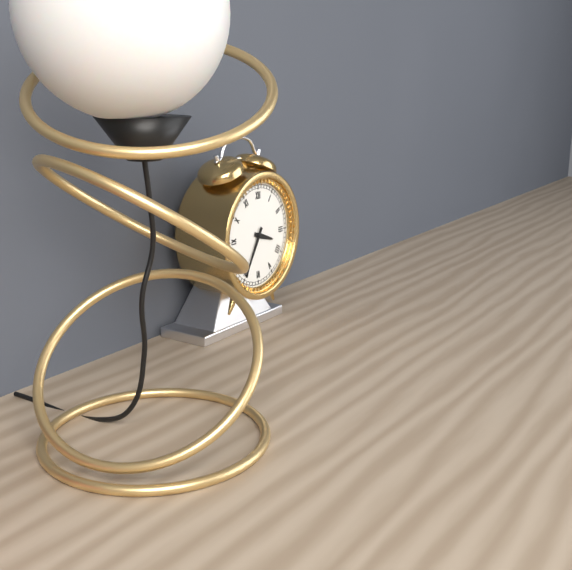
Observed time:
h=3 m=35
